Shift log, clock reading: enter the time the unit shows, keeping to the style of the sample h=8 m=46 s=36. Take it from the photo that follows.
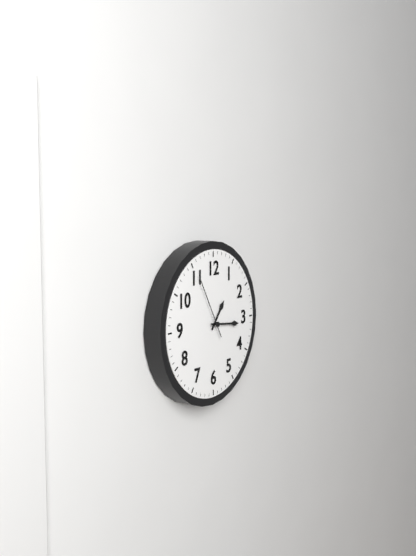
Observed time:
h=1 m=16 s=55
